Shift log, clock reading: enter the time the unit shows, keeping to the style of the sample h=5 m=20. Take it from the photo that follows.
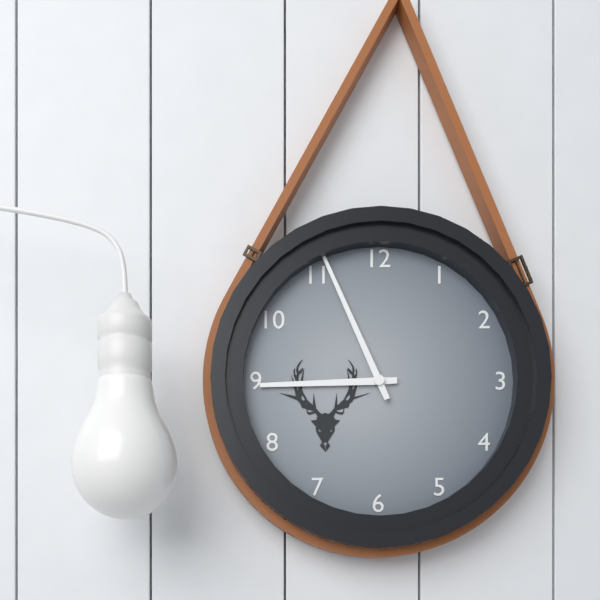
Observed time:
h=8 m=56
